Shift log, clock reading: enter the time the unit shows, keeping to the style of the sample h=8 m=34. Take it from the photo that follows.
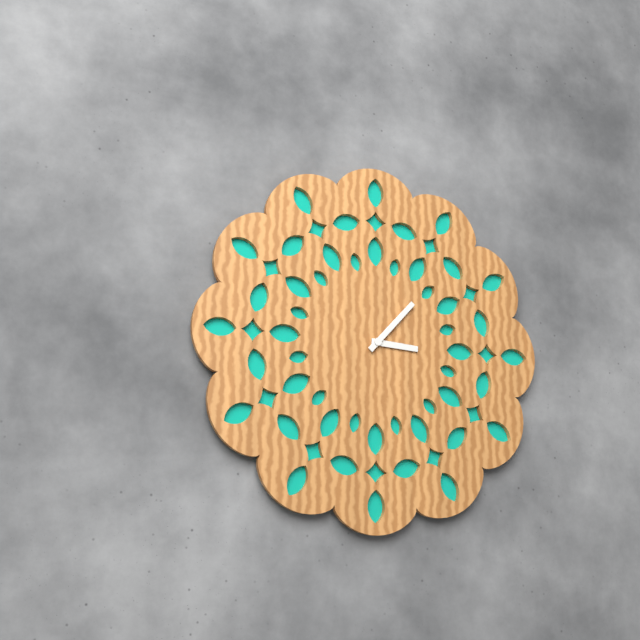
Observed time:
h=3 m=7
